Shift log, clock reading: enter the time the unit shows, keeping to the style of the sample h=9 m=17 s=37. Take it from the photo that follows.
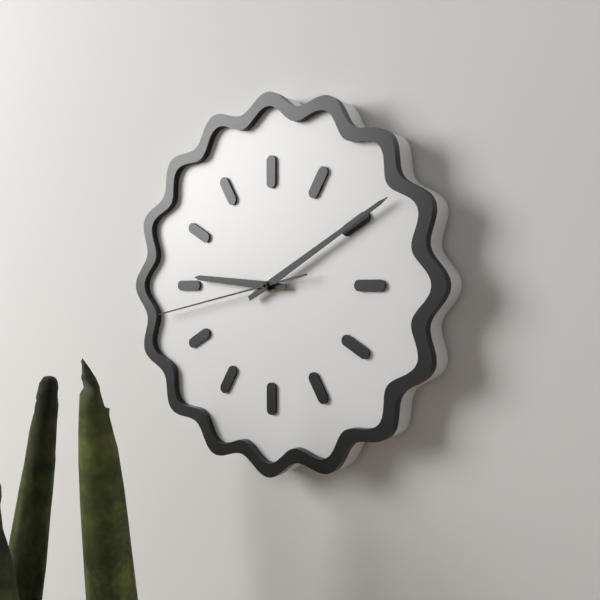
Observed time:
h=9 m=10 s=43
